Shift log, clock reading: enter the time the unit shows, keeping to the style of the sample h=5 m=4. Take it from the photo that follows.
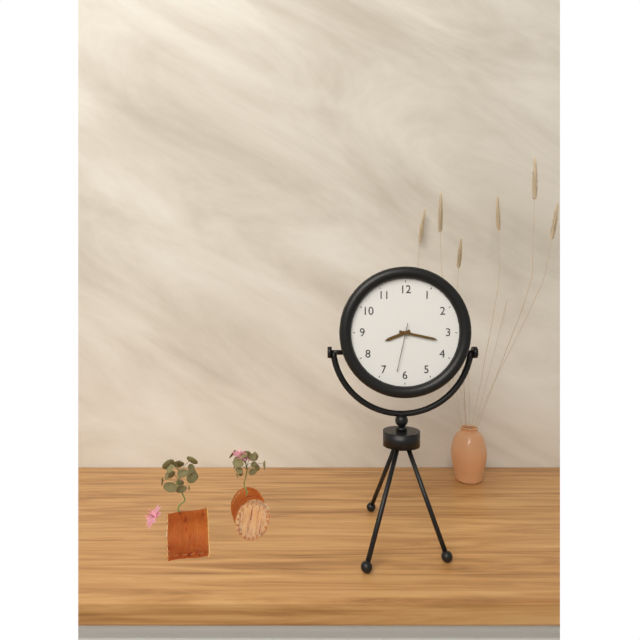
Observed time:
h=8 m=17
